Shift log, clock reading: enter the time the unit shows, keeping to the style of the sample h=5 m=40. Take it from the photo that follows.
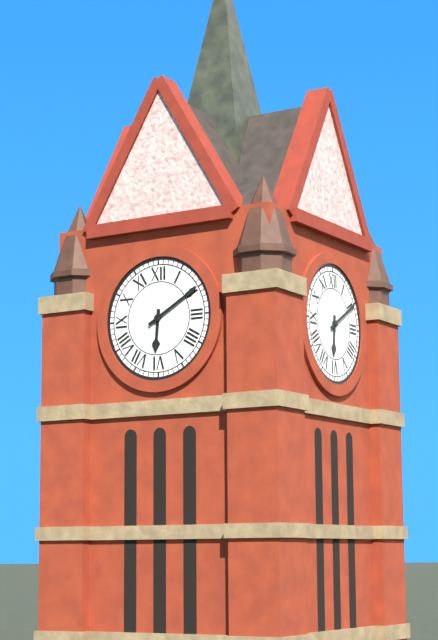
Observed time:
h=6 m=10
